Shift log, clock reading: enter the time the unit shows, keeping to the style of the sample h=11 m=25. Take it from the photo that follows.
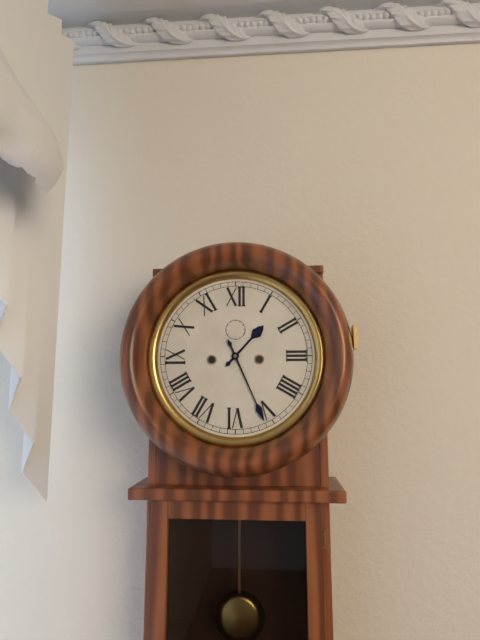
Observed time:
h=1 m=26
